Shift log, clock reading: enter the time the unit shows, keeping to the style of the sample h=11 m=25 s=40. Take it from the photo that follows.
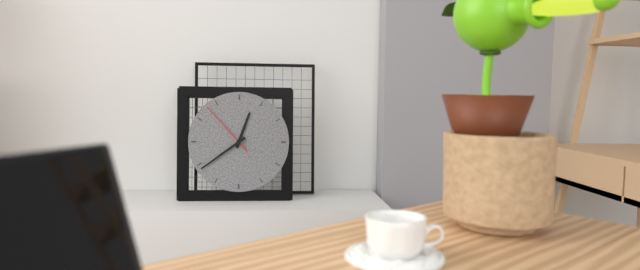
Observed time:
h=12 m=39 s=53
